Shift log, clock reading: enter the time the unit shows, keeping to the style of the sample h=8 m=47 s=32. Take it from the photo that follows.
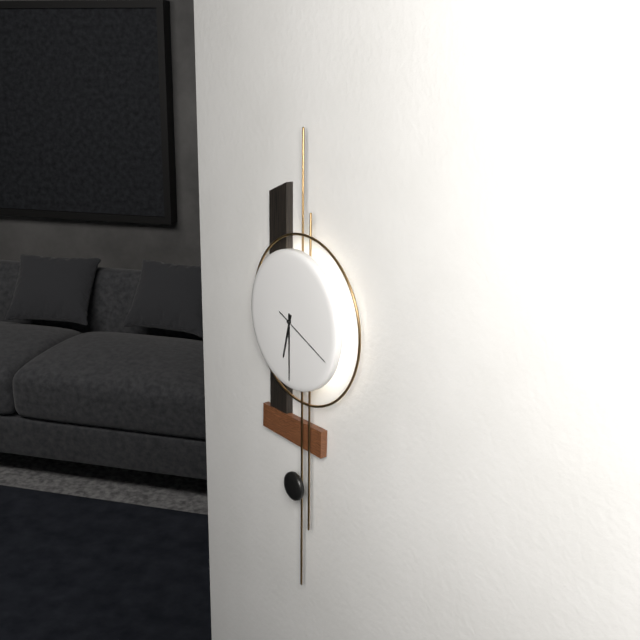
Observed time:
h=6 m=30 s=19
